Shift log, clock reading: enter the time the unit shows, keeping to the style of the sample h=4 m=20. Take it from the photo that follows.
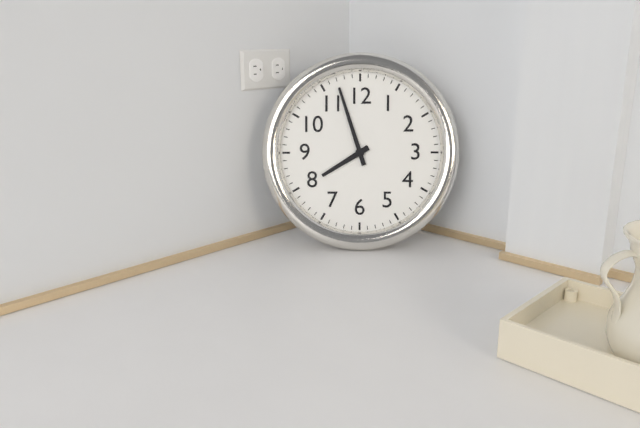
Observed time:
h=7 m=57
